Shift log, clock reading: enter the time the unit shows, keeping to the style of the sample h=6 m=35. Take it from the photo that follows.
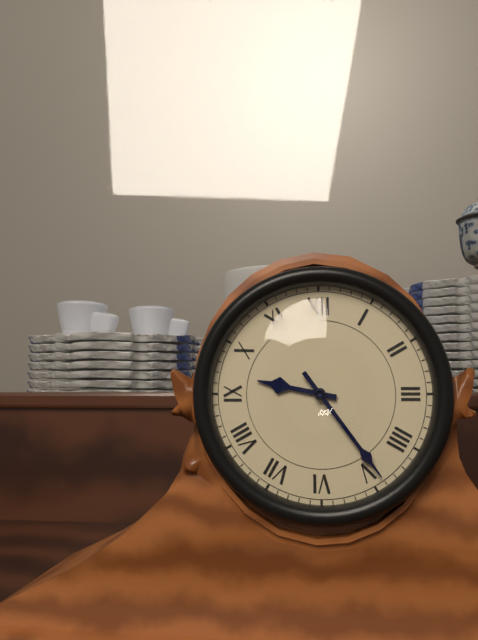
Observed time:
h=9 m=24
